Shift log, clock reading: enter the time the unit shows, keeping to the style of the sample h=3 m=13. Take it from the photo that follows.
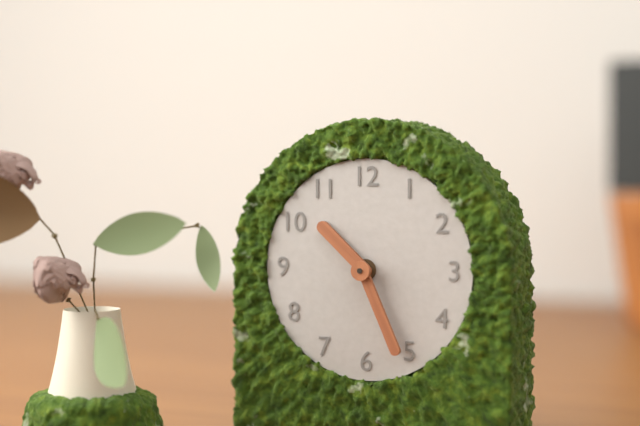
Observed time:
h=10 m=26
